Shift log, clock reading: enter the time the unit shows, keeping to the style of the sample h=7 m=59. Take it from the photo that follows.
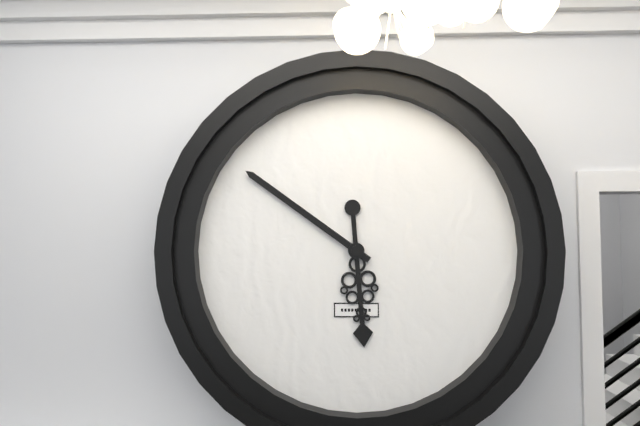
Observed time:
h=5 m=51
